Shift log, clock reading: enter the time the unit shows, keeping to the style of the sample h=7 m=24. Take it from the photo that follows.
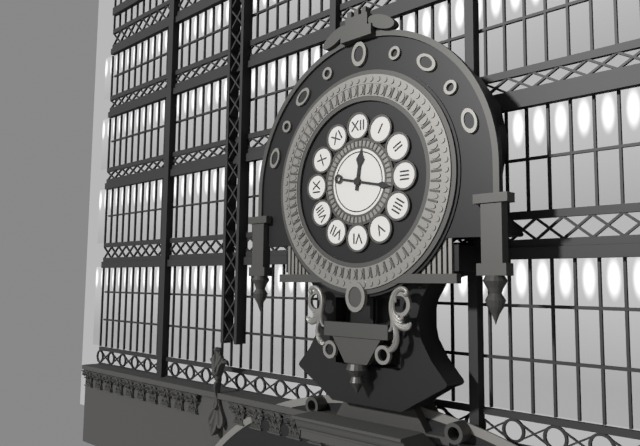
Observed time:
h=12 m=17
